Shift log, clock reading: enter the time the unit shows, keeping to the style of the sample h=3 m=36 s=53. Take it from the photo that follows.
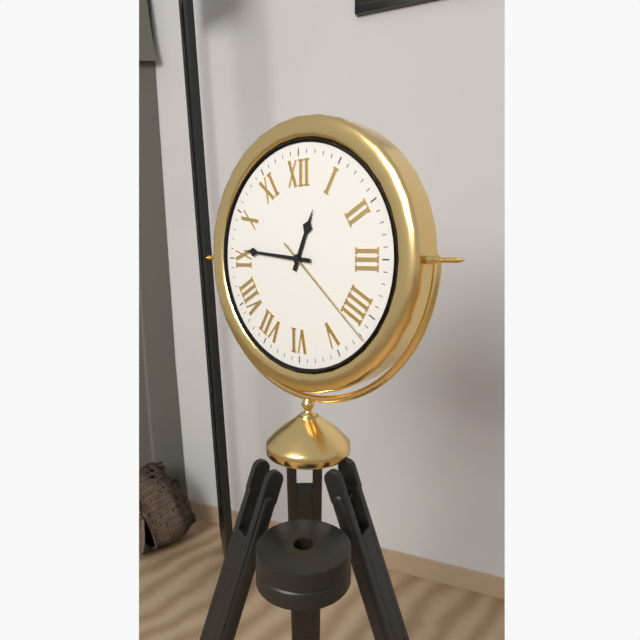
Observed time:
h=12 m=46 s=22
